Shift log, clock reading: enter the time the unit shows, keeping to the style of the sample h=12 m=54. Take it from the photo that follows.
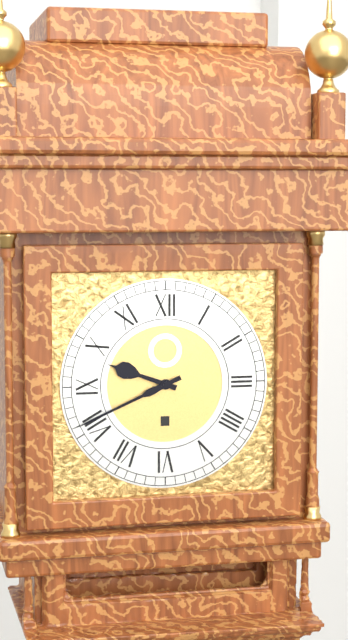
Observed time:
h=9 m=41
